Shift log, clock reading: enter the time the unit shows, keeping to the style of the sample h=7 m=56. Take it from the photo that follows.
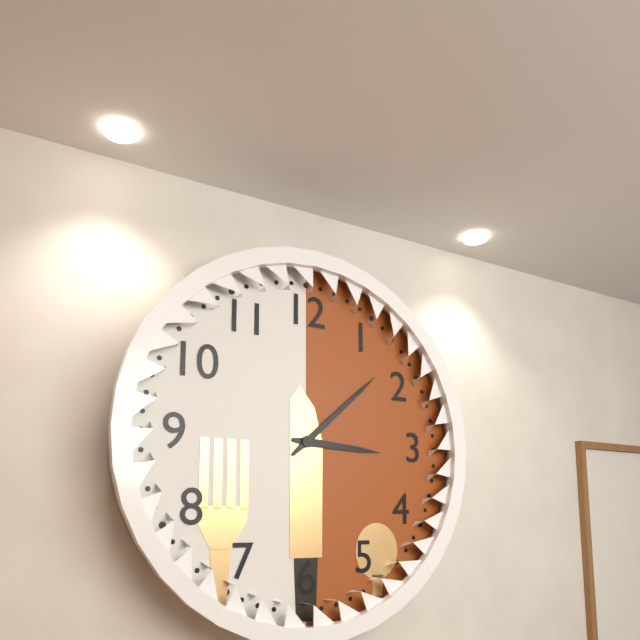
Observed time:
h=3 m=8
